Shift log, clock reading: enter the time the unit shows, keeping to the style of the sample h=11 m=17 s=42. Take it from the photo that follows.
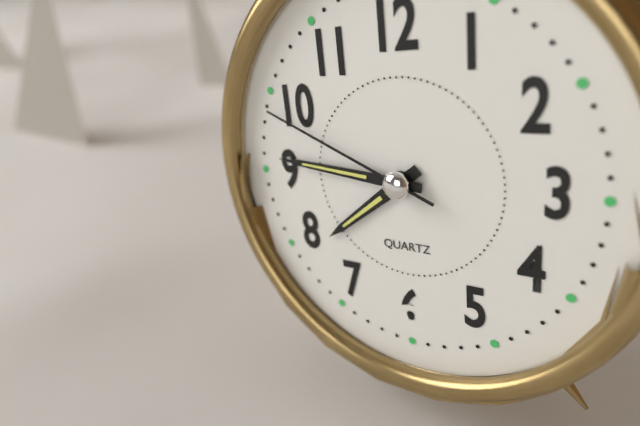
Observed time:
h=7 m=46 s=49
